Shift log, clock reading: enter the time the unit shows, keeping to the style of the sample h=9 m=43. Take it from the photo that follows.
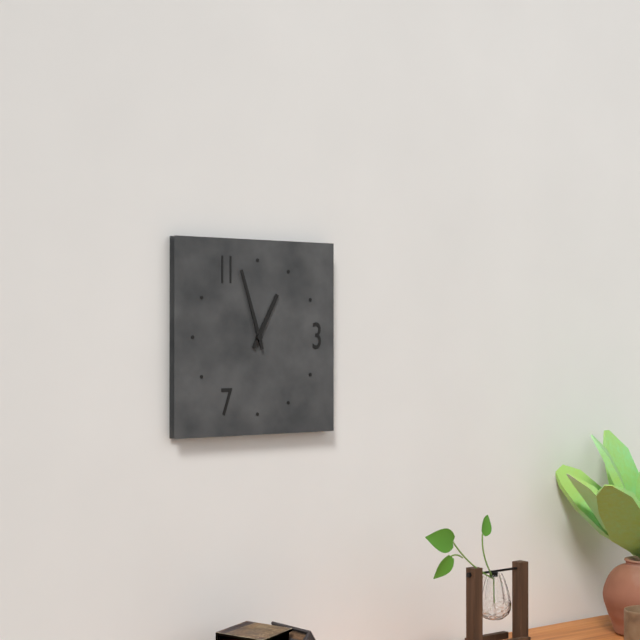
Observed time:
h=12 m=57
